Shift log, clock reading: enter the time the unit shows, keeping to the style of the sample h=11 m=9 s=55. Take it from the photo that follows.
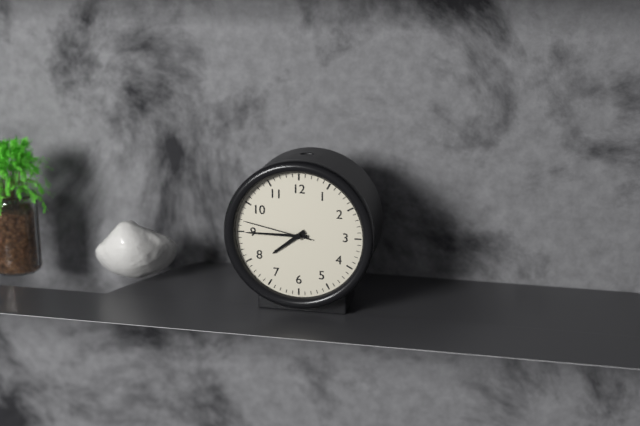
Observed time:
h=7 m=45 s=47
